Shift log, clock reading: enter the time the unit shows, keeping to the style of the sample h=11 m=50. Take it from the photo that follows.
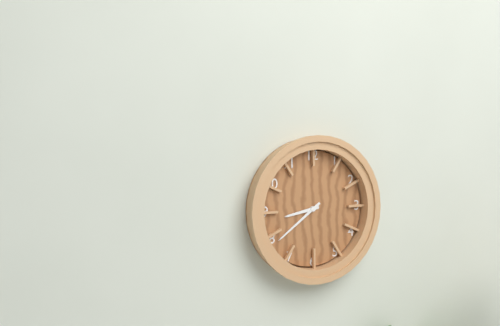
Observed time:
h=8 m=39
